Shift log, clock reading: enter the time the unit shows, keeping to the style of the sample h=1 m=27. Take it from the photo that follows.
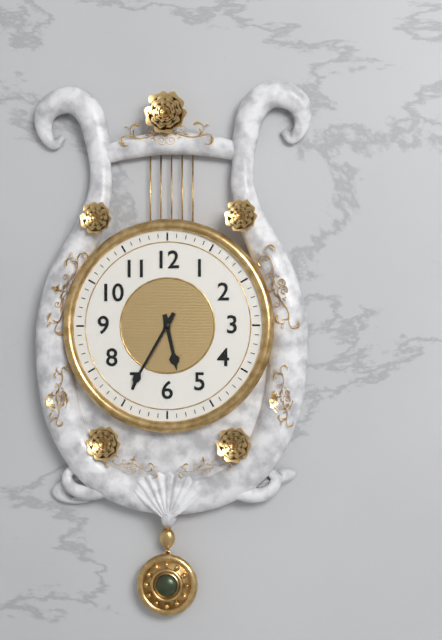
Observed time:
h=5 m=35
